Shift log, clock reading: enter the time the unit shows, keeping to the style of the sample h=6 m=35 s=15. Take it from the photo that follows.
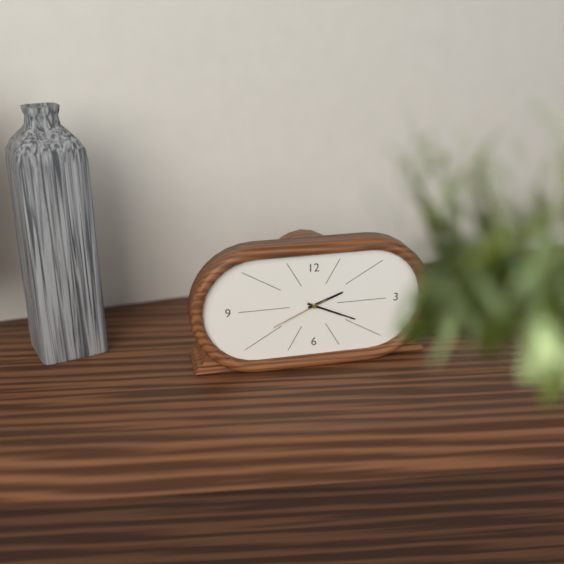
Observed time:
h=2 m=19 s=41
